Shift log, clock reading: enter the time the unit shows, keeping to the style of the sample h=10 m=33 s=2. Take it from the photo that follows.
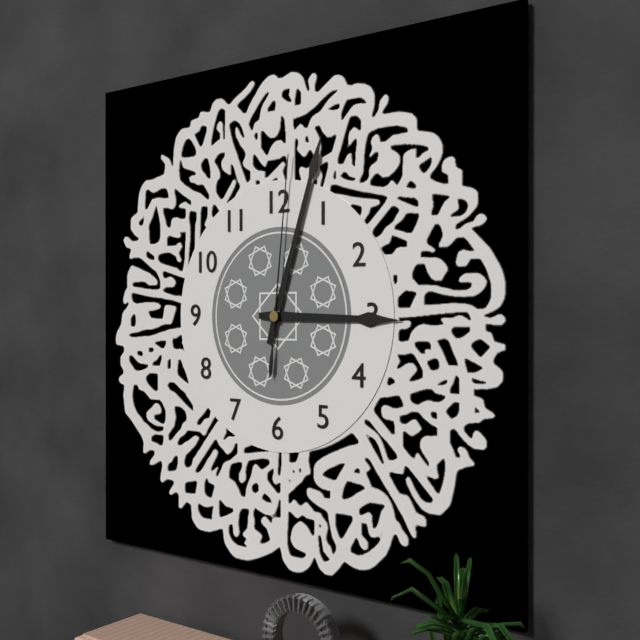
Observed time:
h=3 m=3 s=1
